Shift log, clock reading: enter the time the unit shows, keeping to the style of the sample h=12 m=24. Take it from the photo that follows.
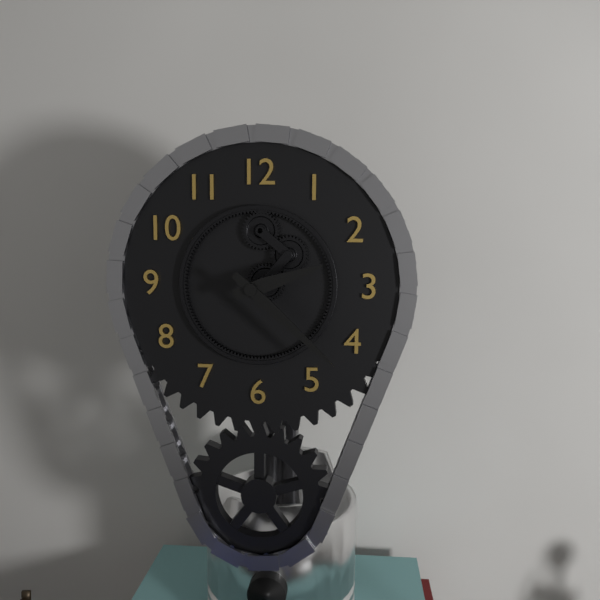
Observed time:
h=2 m=22
